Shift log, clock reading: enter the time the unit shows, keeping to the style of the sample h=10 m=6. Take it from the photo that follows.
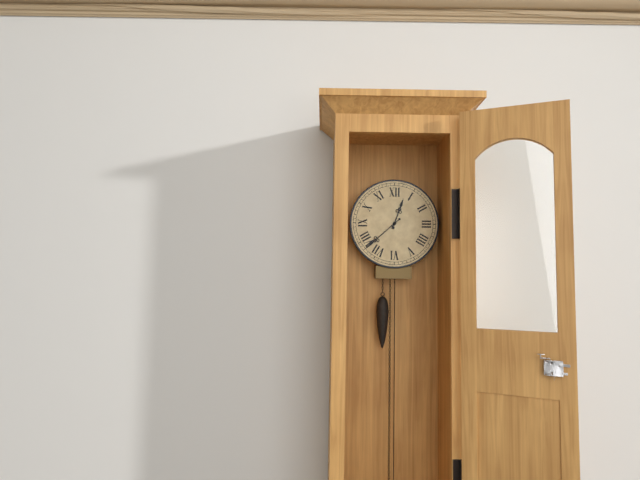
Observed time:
h=12 m=38
